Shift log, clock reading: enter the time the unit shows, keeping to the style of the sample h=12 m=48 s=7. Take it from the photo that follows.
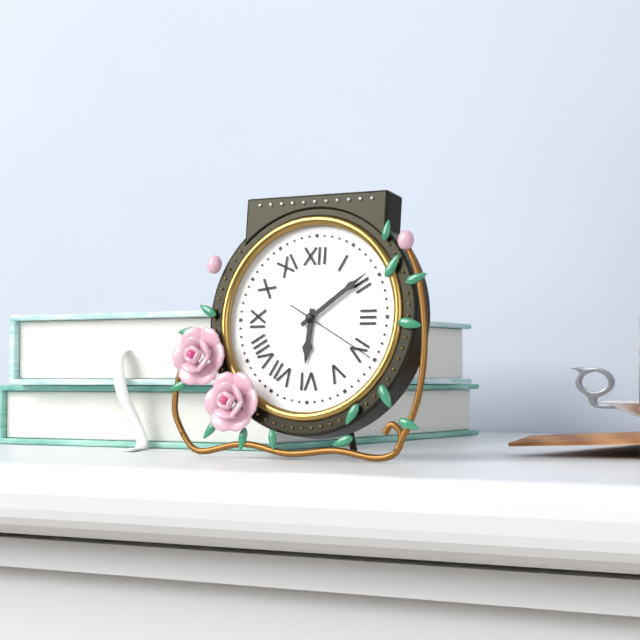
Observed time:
h=6 m=9 s=20
